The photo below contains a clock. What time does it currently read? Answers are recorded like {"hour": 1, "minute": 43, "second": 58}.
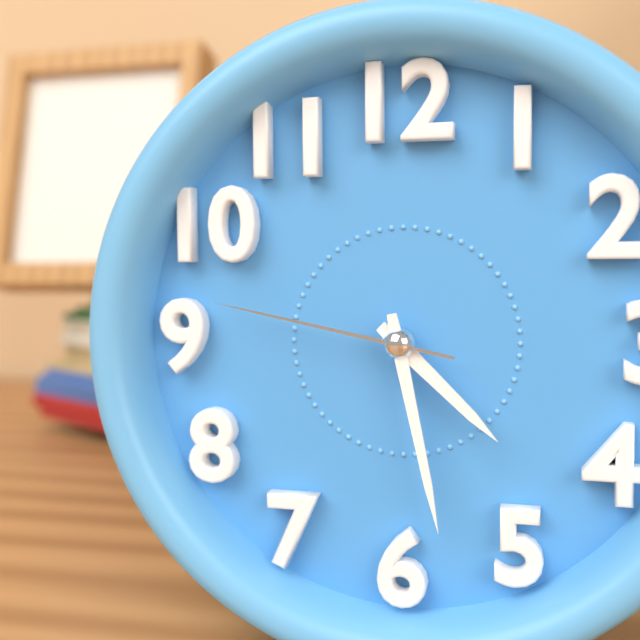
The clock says {"hour": 4, "minute": 28, "second": 47}
